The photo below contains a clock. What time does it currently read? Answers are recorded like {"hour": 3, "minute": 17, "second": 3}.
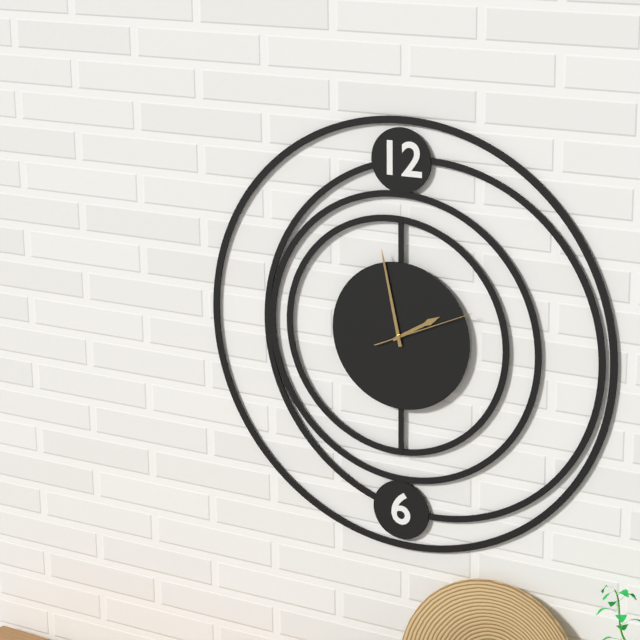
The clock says {"hour": 1, "minute": 58, "second": 11}
